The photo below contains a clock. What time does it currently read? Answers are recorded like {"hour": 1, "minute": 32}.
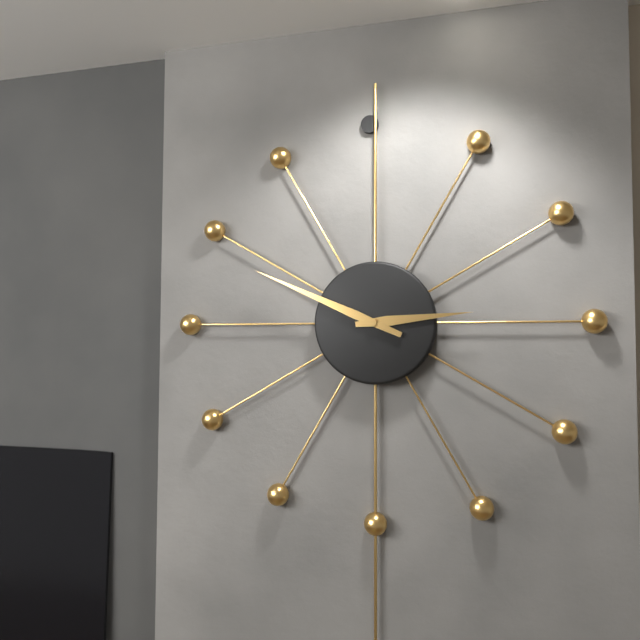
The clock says {"hour": 2, "minute": 49}
